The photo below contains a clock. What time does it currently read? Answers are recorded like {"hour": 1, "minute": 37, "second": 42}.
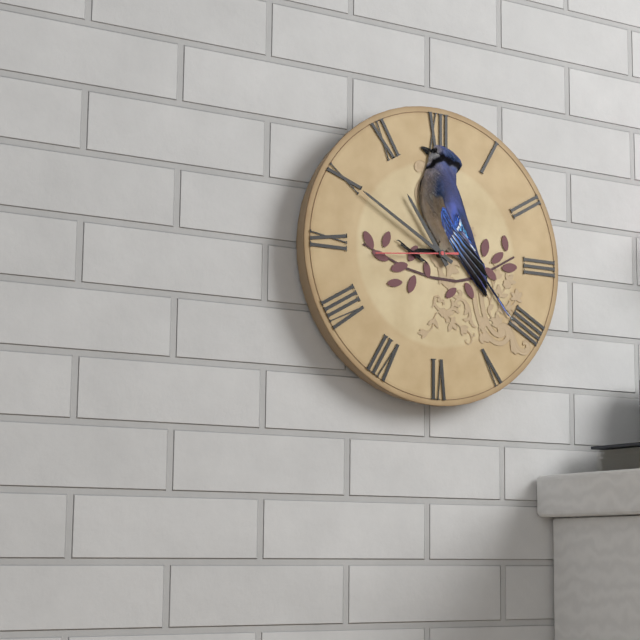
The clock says {"hour": 10, "minute": 50, "second": 44}
